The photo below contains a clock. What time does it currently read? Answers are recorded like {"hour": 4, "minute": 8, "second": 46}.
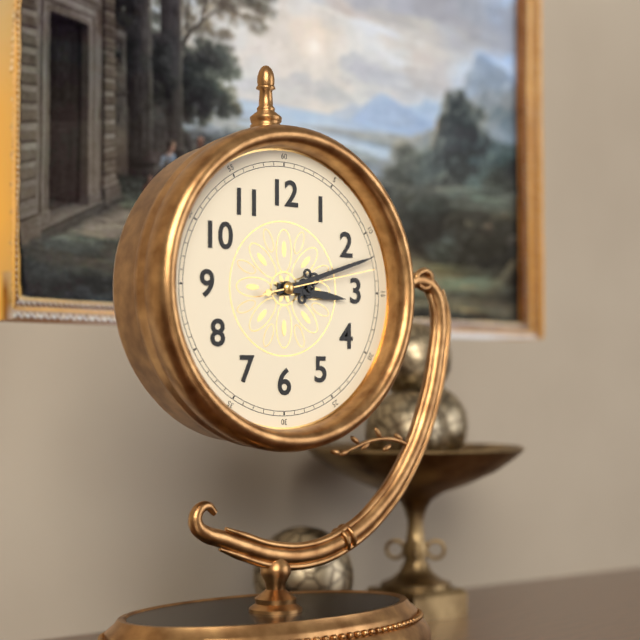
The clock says {"hour": 3, "minute": 12, "second": 13}
